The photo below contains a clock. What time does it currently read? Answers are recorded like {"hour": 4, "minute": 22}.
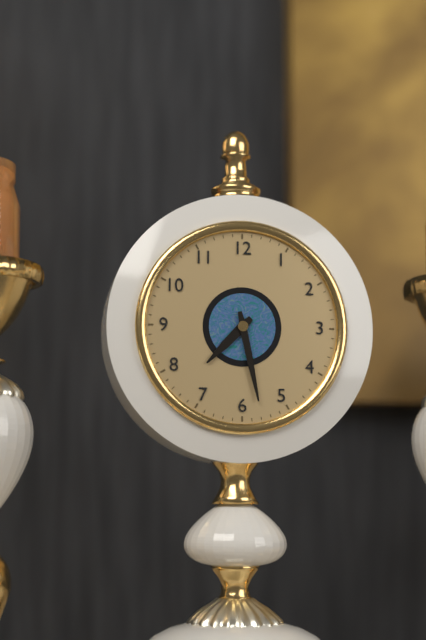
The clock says {"hour": 7, "minute": 28}
